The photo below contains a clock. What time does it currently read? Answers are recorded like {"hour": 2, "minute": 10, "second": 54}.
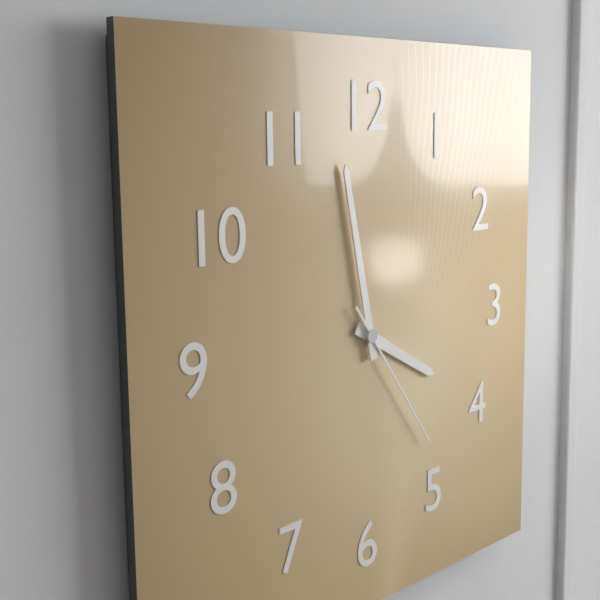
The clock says {"hour": 3, "minute": 58, "second": 24}
